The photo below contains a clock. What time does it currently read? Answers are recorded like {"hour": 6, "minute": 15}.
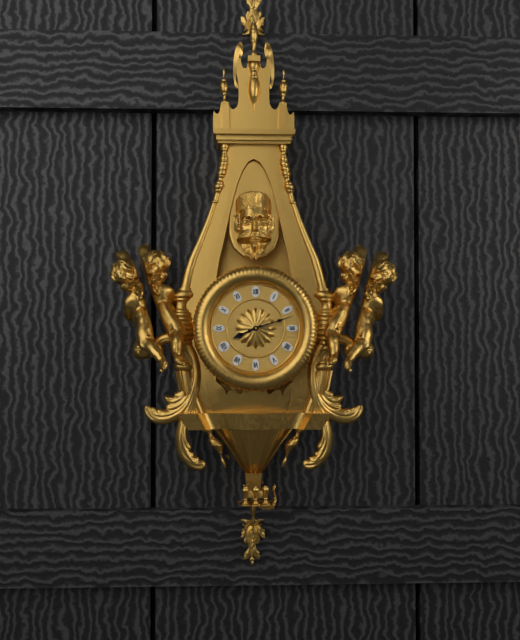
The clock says {"hour": 8, "minute": 12}
